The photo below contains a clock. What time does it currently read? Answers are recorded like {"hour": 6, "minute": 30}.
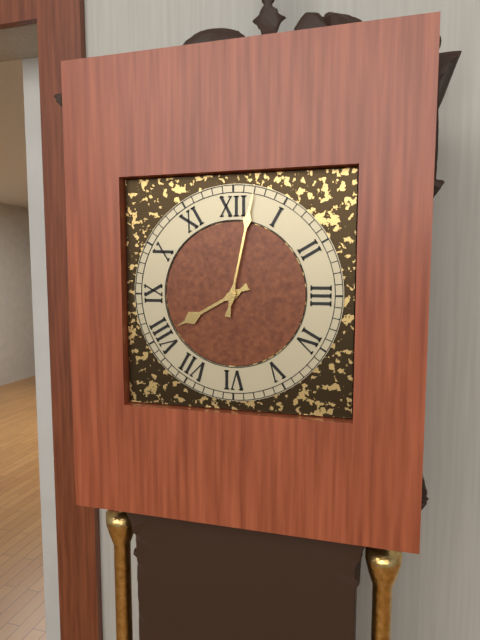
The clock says {"hour": 8, "minute": 2}
